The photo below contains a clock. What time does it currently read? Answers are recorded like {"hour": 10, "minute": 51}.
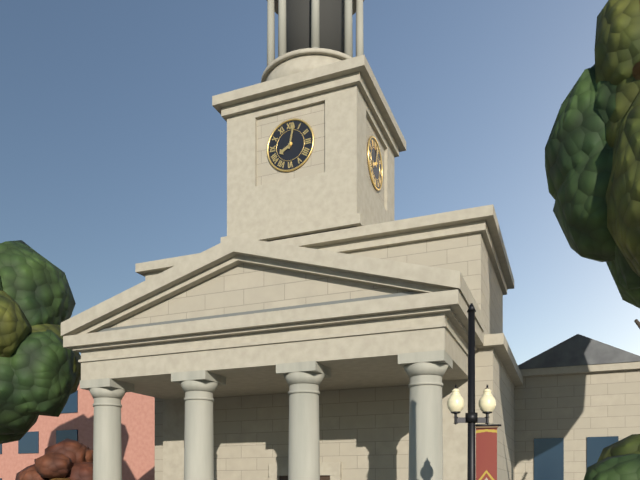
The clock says {"hour": 8, "minute": 2}
